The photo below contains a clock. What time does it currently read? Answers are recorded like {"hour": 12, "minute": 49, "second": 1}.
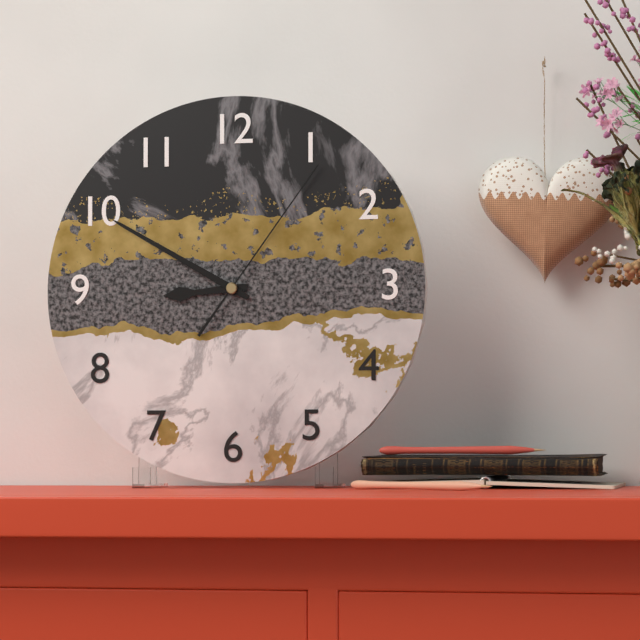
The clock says {"hour": 8, "minute": 50, "second": 6}
